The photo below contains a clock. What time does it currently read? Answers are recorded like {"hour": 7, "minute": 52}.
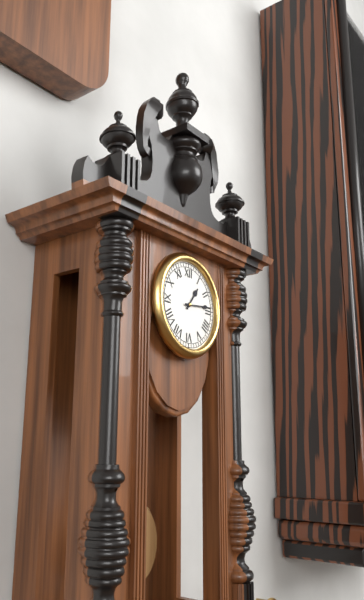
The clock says {"hour": 1, "minute": 14}
